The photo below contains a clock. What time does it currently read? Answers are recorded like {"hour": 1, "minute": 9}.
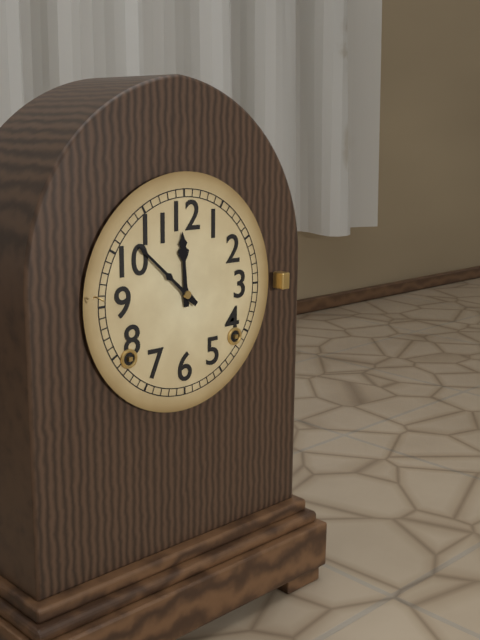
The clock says {"hour": 11, "minute": 52}
